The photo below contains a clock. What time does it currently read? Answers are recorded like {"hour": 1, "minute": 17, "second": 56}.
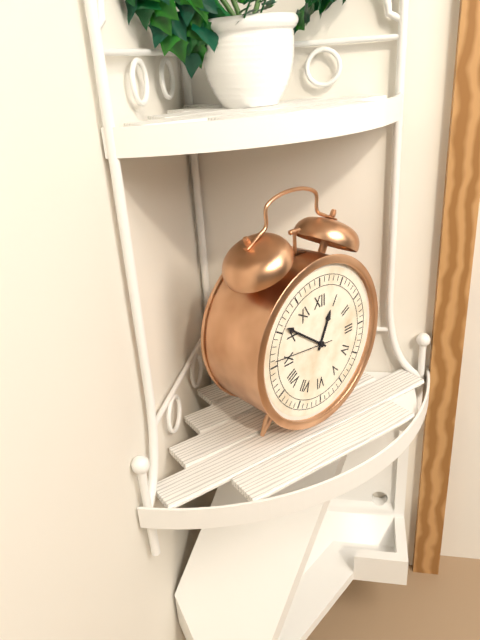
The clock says {"hour": 12, "minute": 51, "second": 46}
